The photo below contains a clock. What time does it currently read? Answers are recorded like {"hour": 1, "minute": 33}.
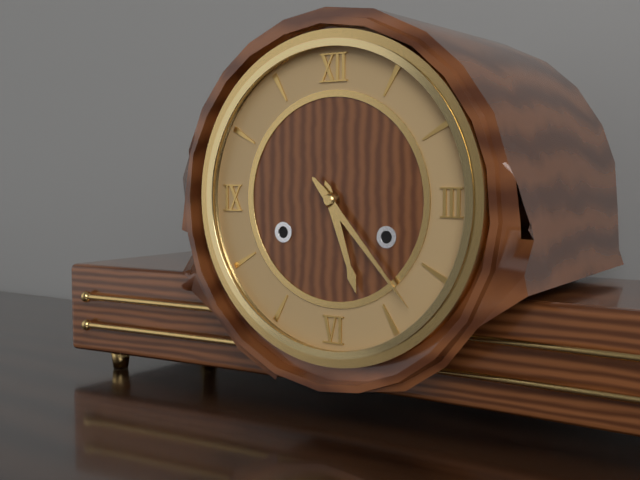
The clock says {"hour": 5, "minute": 23}
